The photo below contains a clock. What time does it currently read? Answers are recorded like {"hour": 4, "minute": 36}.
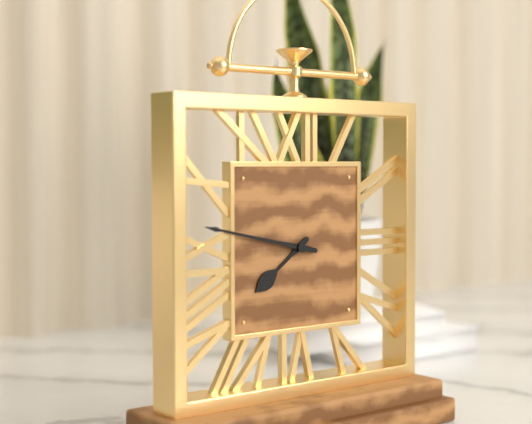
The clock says {"hour": 7, "minute": 47}
